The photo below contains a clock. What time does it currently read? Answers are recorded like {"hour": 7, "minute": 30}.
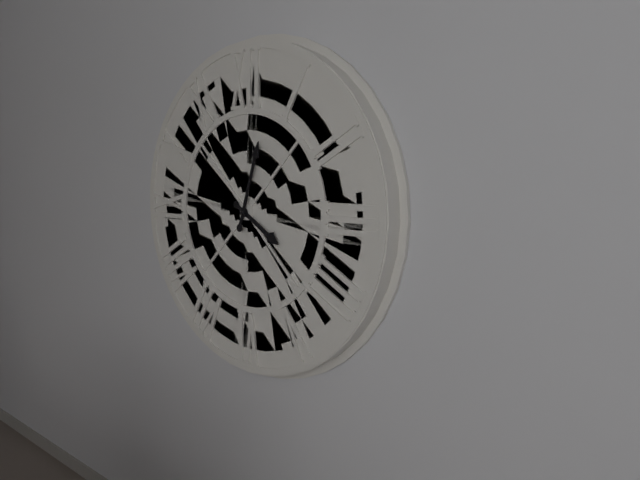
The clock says {"hour": 4, "minute": 3}
